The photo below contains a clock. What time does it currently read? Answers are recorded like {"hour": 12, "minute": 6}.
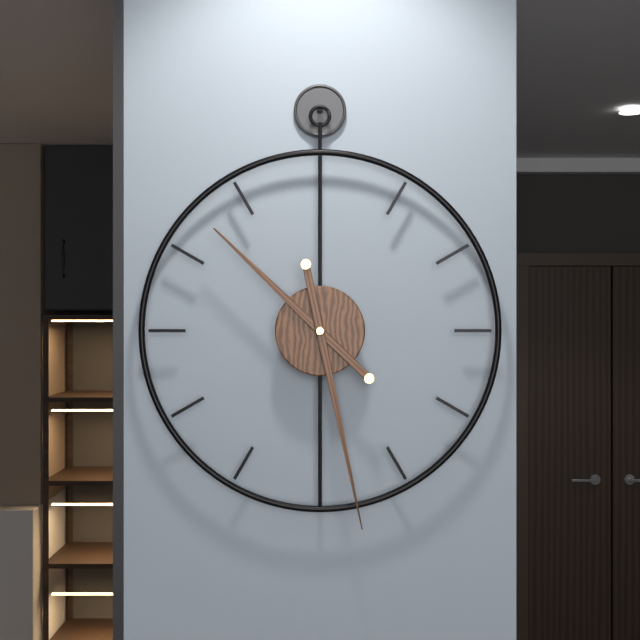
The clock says {"hour": 10, "minute": 28}
